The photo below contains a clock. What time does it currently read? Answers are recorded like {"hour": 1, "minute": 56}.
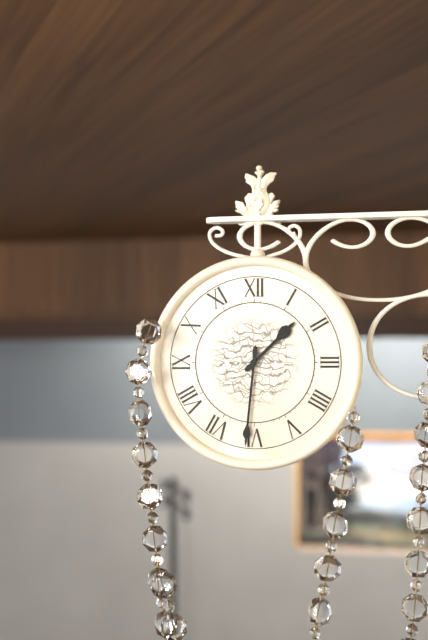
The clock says {"hour": 1, "minute": 31}
